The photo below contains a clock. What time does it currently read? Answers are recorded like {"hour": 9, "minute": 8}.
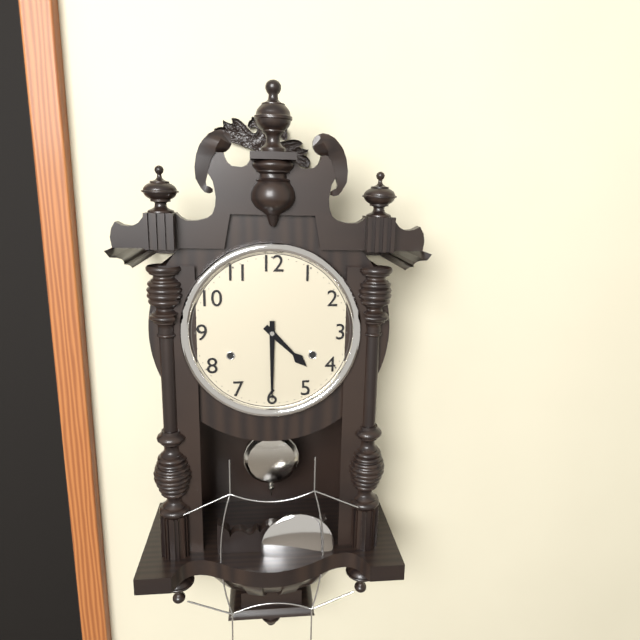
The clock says {"hour": 4, "minute": 30}
